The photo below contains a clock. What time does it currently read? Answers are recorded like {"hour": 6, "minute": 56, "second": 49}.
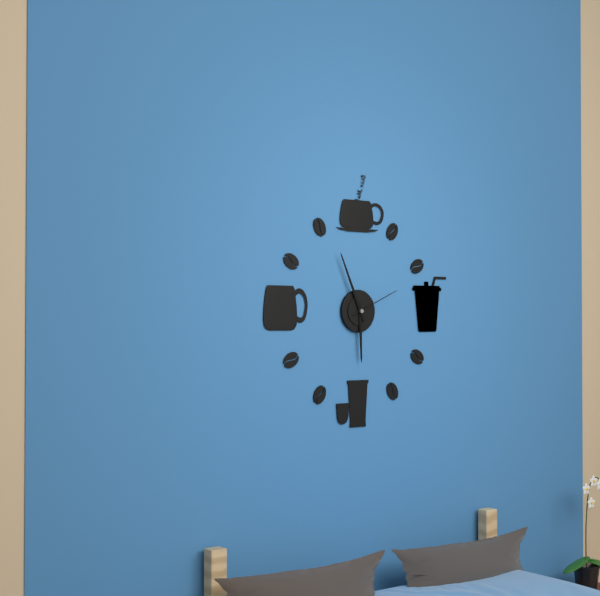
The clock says {"hour": 5, "minute": 56, "second": 11}
